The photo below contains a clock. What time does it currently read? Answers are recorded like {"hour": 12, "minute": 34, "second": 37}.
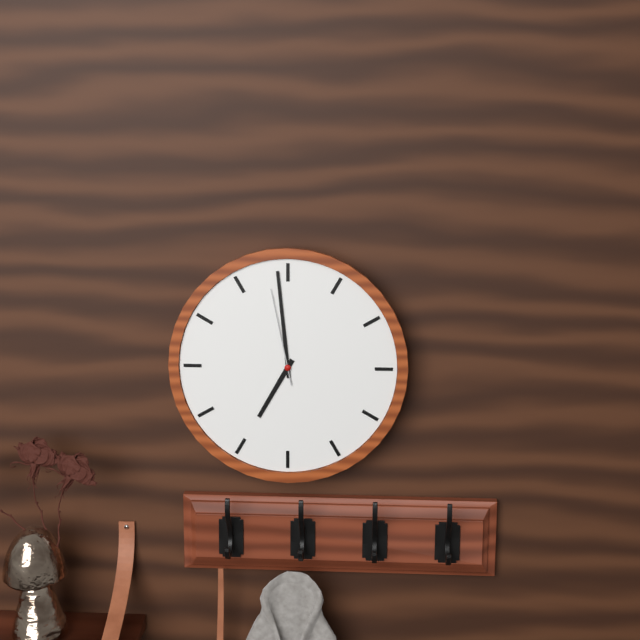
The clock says {"hour": 6, "minute": 59, "second": 58}
